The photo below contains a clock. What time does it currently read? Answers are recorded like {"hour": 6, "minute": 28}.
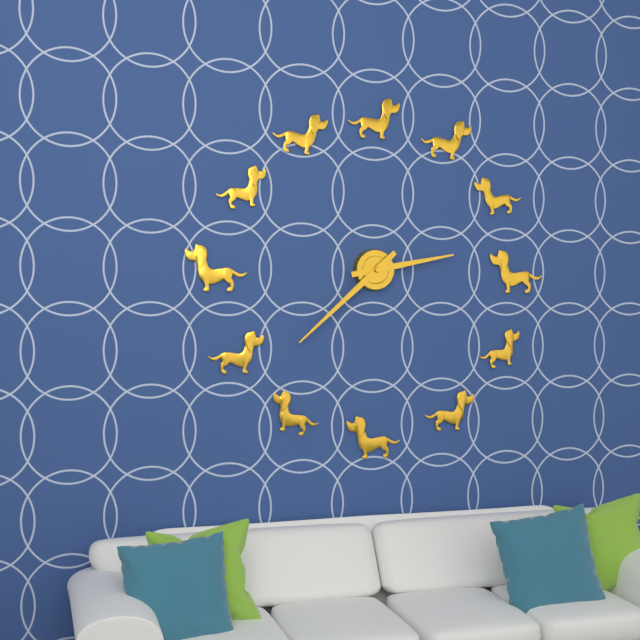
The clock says {"hour": 2, "minute": 38}
